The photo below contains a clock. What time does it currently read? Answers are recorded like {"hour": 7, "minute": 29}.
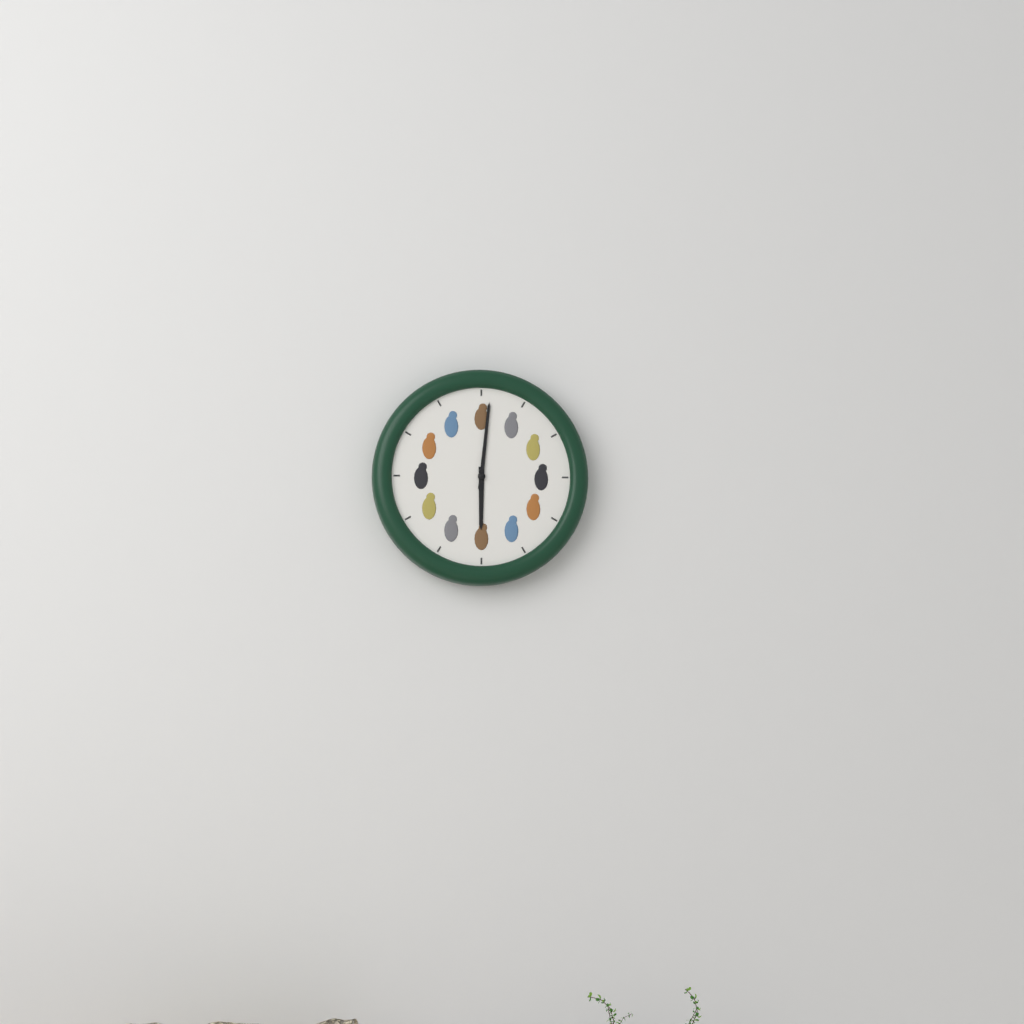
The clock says {"hour": 6, "minute": 1}
